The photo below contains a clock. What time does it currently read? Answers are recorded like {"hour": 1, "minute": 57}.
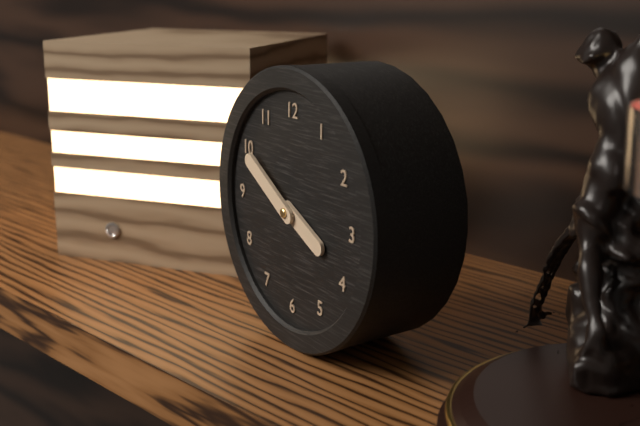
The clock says {"hour": 3, "minute": 50}
